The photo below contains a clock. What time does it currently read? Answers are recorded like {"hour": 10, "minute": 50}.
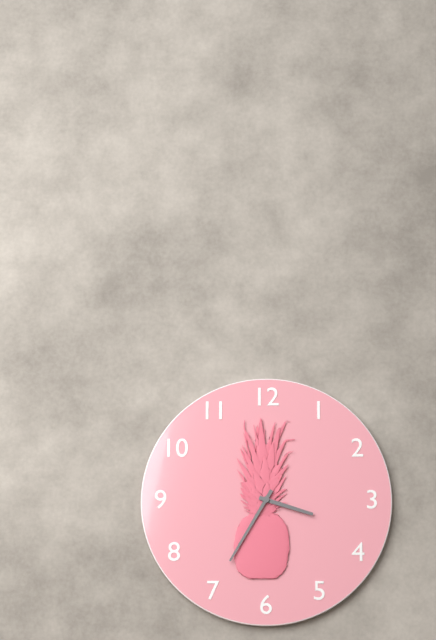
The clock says {"hour": 3, "minute": 35}
